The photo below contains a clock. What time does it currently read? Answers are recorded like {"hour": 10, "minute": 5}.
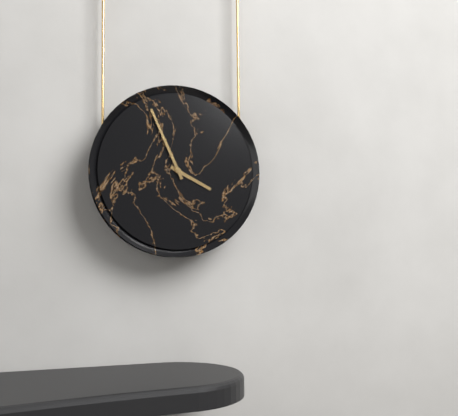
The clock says {"hour": 3, "minute": 56}
